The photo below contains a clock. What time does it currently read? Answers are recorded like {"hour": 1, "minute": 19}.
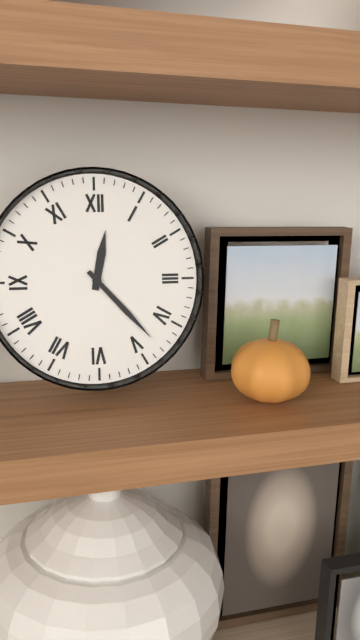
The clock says {"hour": 12, "minute": 23}
